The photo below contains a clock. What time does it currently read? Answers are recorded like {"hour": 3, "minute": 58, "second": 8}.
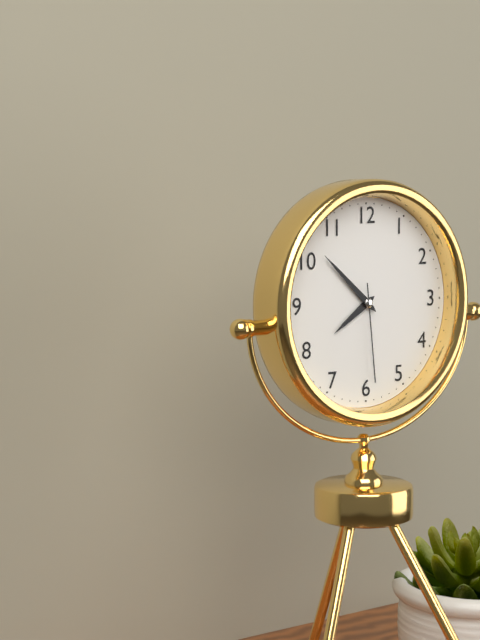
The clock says {"hour": 7, "minute": 52, "second": 29}
